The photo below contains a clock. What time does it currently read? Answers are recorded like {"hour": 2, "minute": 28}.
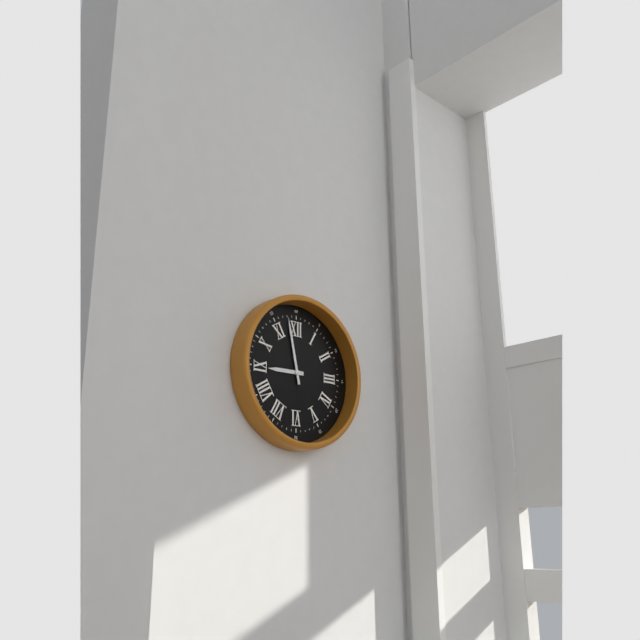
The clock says {"hour": 8, "minute": 58}
